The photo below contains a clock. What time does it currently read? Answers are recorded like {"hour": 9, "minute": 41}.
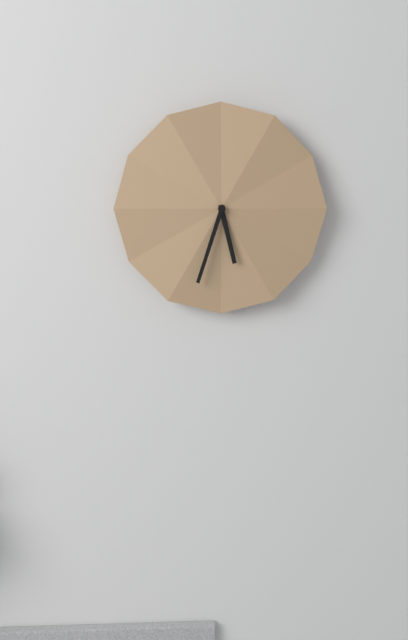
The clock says {"hour": 5, "minute": 33}
